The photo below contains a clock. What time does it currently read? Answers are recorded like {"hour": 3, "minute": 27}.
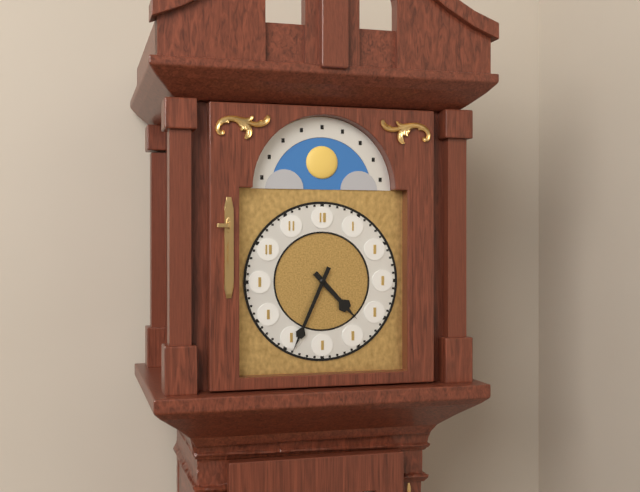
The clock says {"hour": 4, "minute": 34}
